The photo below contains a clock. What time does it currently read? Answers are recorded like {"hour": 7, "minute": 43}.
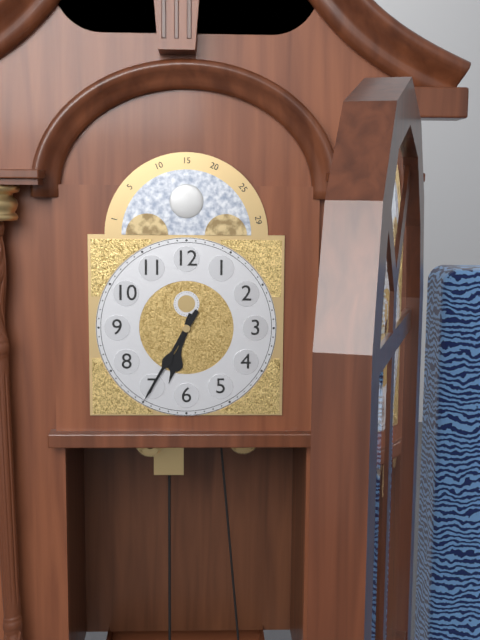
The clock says {"hour": 6, "minute": 35}
